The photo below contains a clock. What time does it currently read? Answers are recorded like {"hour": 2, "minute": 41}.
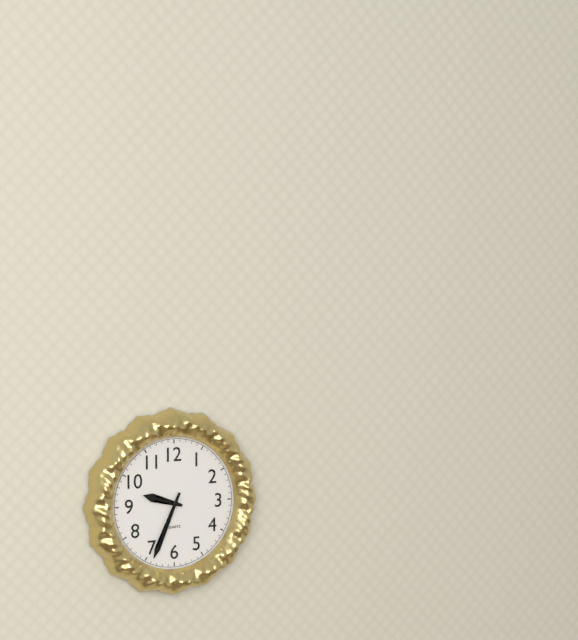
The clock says {"hour": 9, "minute": 34}
